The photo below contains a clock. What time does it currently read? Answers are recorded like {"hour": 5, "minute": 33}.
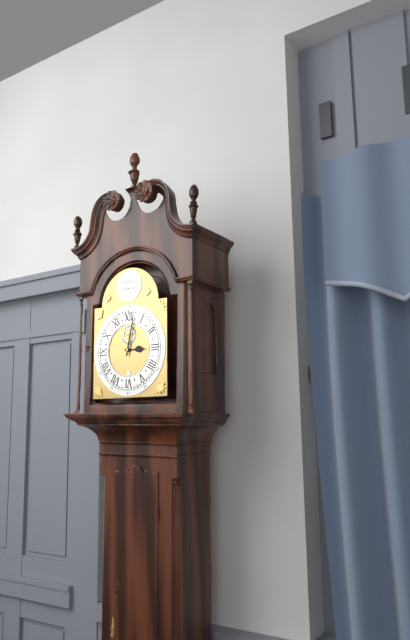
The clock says {"hour": 3, "minute": 2}
